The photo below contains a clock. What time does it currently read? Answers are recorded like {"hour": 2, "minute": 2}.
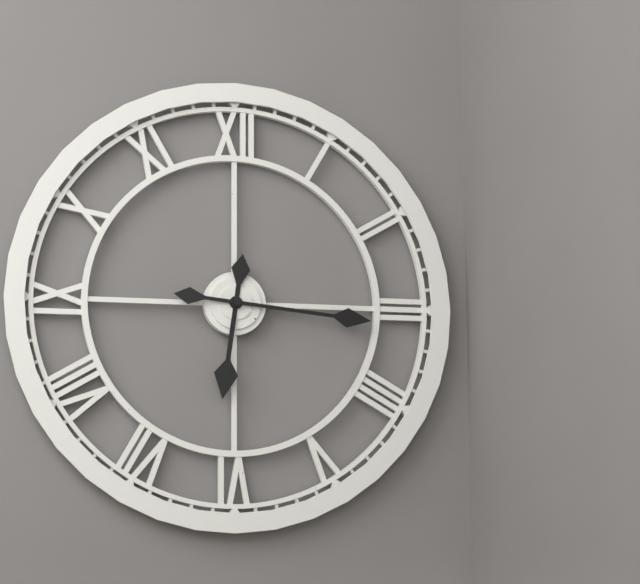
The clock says {"hour": 6, "minute": 16}
